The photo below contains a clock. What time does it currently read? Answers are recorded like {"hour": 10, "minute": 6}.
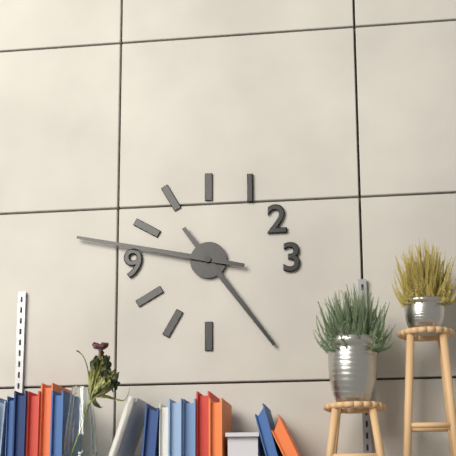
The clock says {"hour": 4, "minute": 47}
